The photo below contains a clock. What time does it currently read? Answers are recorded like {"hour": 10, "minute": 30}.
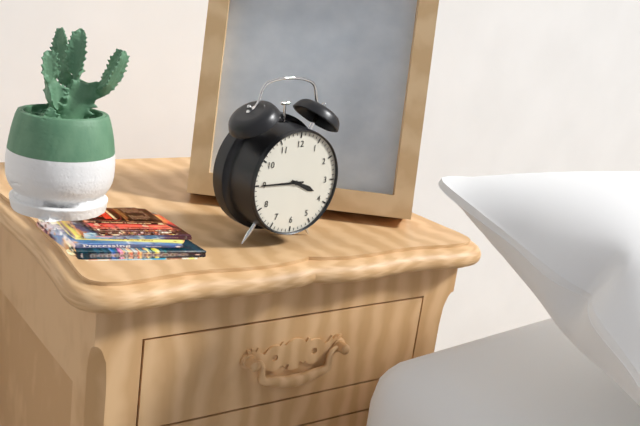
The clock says {"hour": 3, "minute": 45}
